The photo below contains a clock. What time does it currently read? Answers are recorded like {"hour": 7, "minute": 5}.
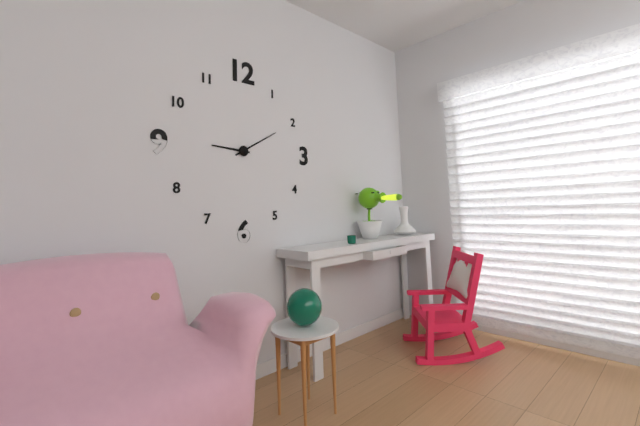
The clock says {"hour": 9, "minute": 10}
